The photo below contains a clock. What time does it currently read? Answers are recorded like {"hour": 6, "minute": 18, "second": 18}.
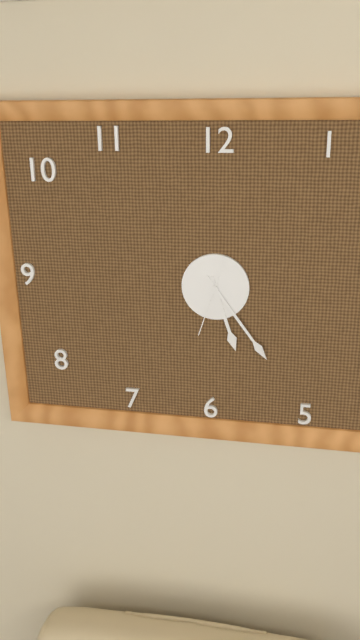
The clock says {"hour": 5, "minute": 24, "second": 33}
